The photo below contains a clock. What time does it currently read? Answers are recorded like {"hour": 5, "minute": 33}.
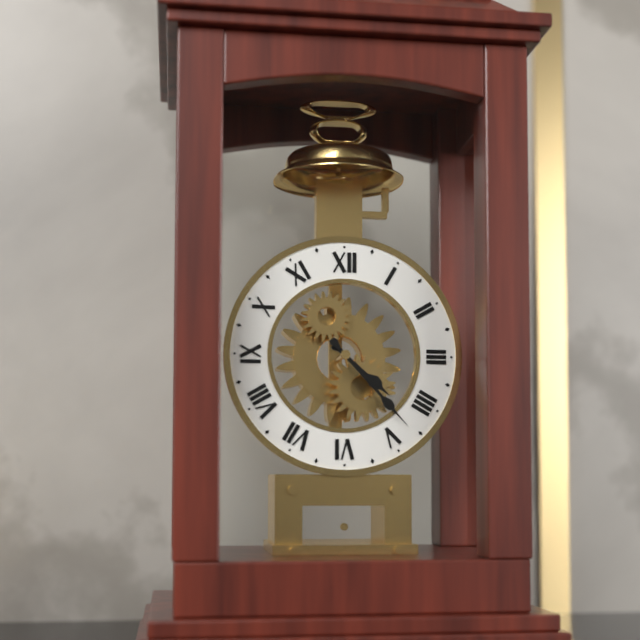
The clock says {"hour": 4, "minute": 23}
